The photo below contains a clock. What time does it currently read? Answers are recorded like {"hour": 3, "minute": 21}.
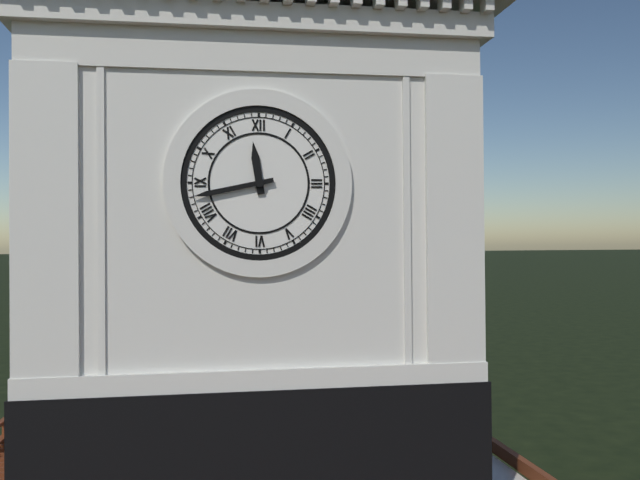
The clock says {"hour": 11, "minute": 43}
